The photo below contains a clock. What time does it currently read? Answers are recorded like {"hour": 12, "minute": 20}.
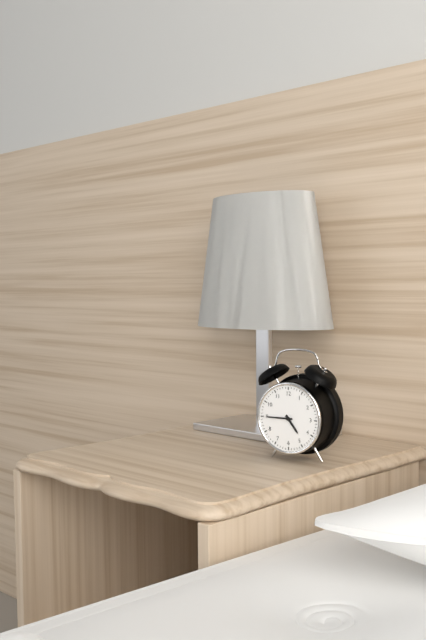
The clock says {"hour": 4, "minute": 45}
